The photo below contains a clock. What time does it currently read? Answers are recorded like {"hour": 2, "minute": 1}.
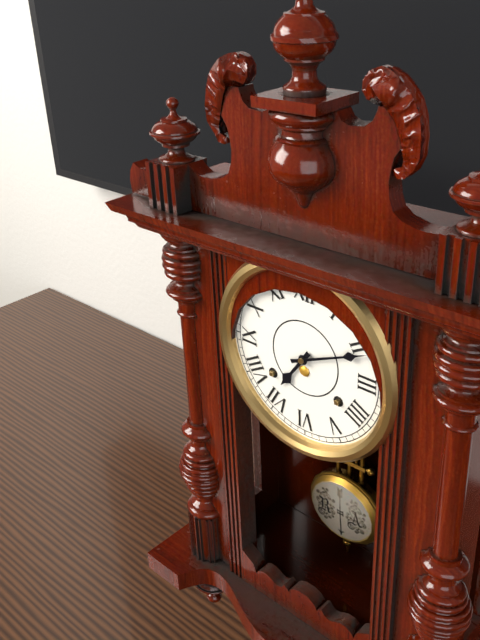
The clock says {"hour": 7, "minute": 11}
